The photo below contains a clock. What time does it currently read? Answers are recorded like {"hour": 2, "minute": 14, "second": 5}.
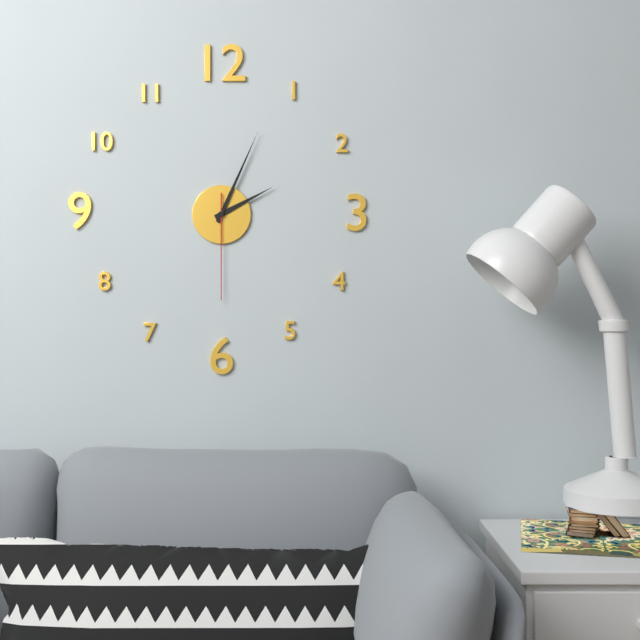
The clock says {"hour": 2, "minute": 4, "second": 30}
